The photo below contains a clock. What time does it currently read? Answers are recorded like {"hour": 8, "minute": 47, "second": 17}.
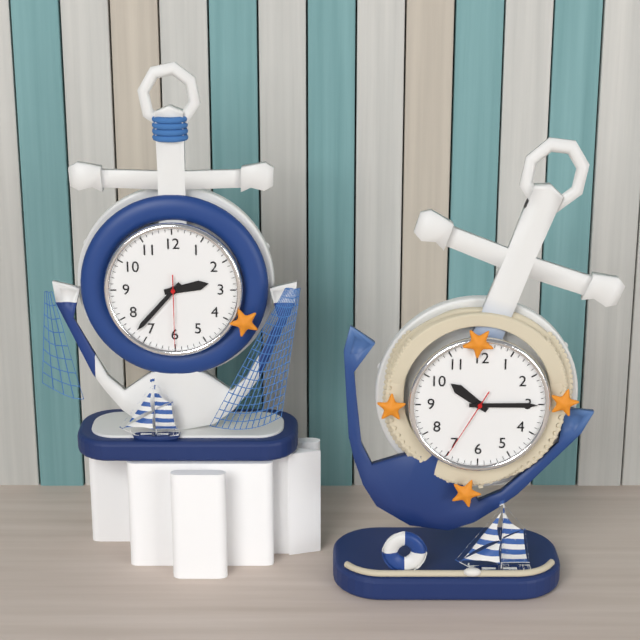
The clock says {"hour": 2, "minute": 37, "second": 30}
